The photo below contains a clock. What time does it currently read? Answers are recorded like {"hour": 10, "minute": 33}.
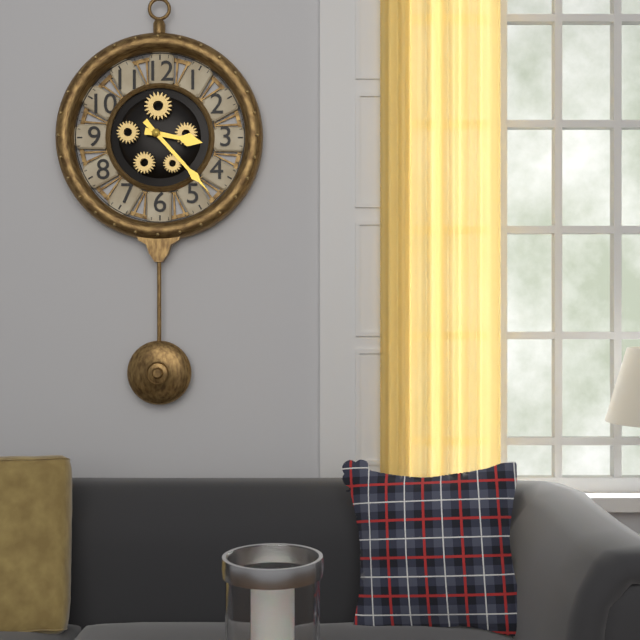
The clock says {"hour": 3, "minute": 23}
